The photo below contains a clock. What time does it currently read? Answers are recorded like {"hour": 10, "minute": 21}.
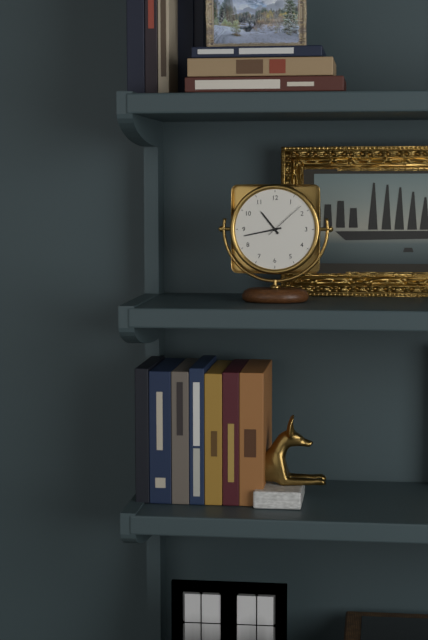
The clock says {"hour": 10, "minute": 43}
